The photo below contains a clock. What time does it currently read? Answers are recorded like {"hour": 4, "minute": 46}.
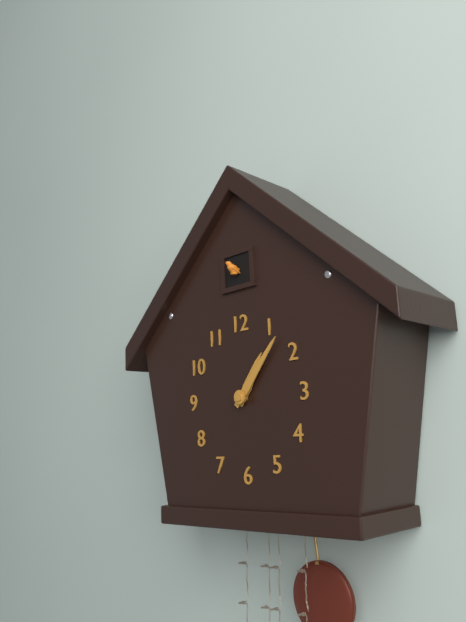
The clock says {"hour": 1, "minute": 7}
